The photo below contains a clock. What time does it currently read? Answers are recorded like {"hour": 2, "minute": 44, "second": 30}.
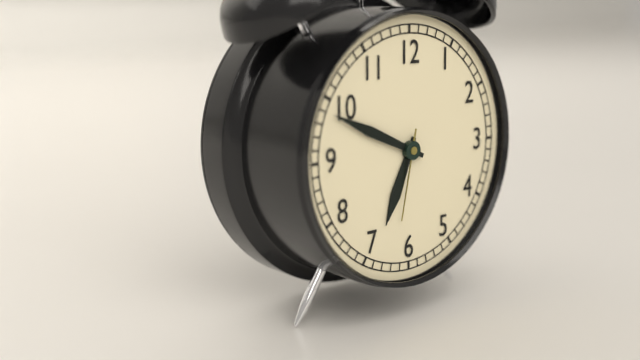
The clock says {"hour": 6, "minute": 49, "second": 32}
